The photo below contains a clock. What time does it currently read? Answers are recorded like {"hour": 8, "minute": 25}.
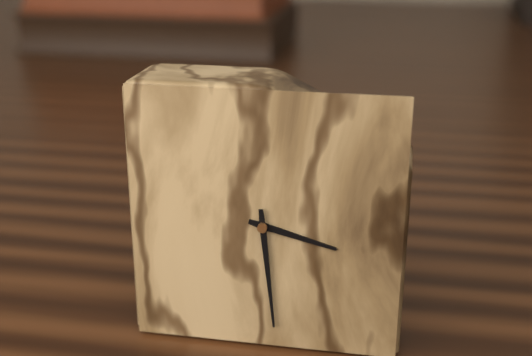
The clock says {"hour": 3, "minute": 29}
